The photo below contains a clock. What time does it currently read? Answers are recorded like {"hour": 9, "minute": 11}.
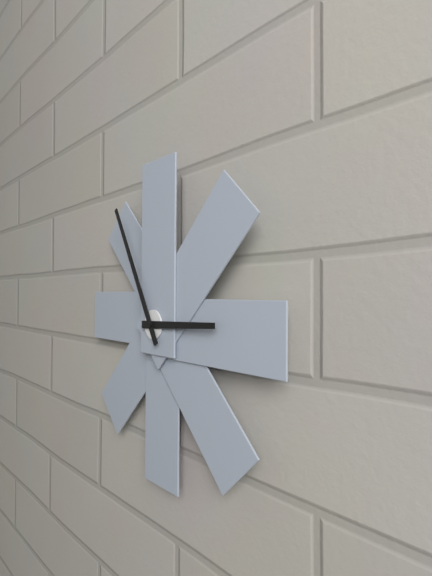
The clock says {"hour": 2, "minute": 55}
